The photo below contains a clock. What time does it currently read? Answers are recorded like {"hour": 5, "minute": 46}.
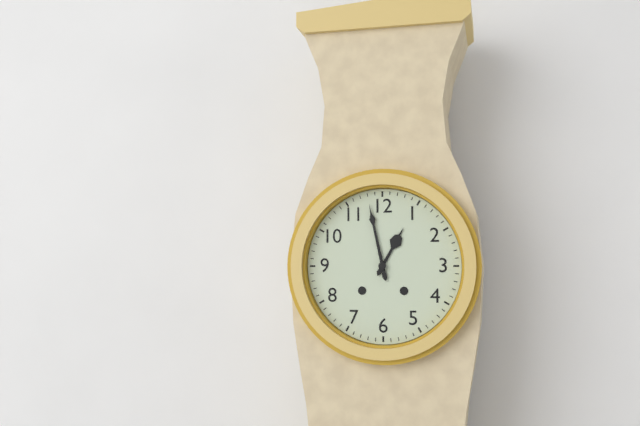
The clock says {"hour": 12, "minute": 58}
